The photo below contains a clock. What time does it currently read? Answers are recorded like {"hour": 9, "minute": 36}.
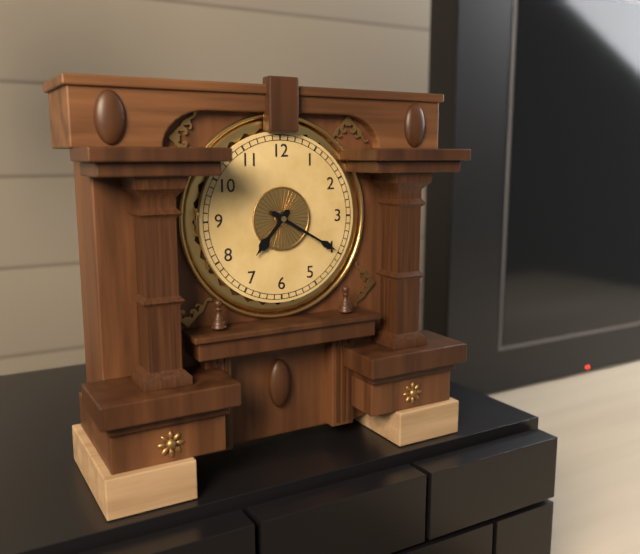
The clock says {"hour": 7, "minute": 20}
